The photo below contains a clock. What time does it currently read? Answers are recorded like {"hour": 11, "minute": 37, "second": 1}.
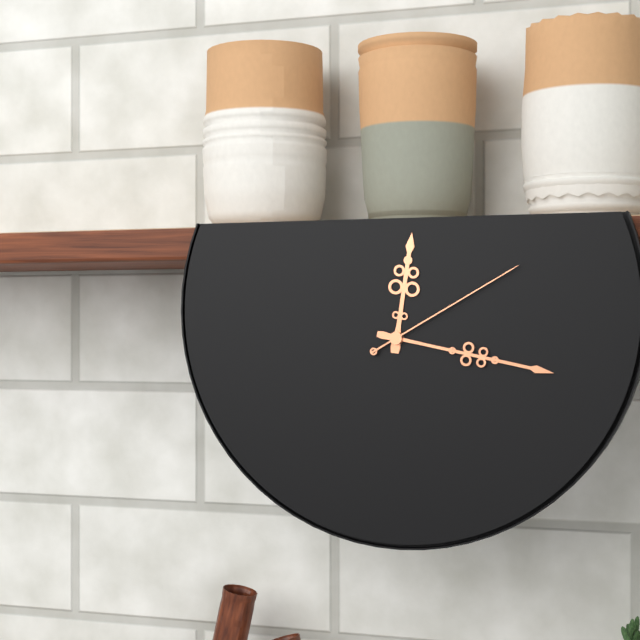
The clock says {"hour": 12, "minute": 17, "second": 10}
